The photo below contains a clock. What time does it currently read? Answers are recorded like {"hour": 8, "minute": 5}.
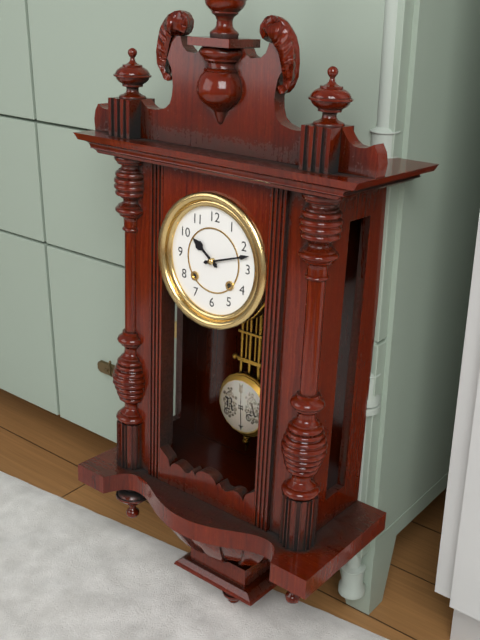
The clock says {"hour": 10, "minute": 12}
